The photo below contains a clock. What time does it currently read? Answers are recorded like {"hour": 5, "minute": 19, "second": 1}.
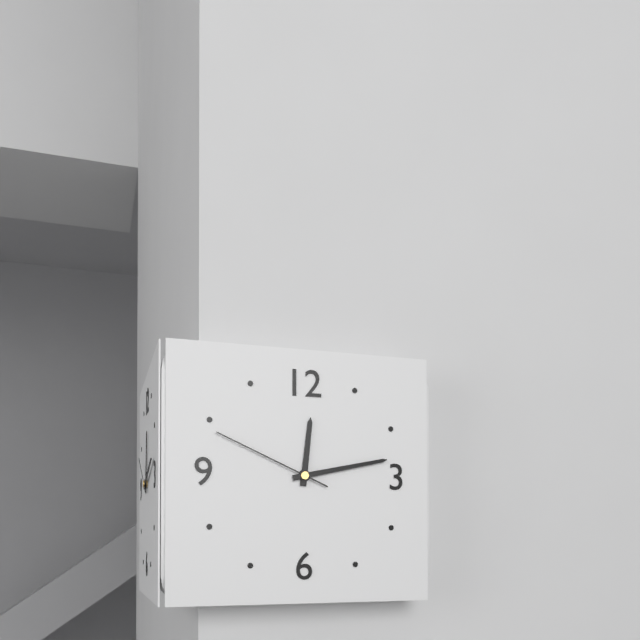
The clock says {"hour": 12, "minute": 13, "second": 49}
